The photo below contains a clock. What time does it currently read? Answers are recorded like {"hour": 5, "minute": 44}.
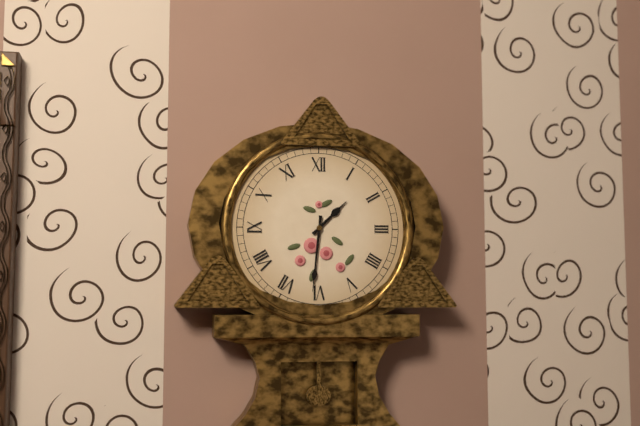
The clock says {"hour": 1, "minute": 31}
